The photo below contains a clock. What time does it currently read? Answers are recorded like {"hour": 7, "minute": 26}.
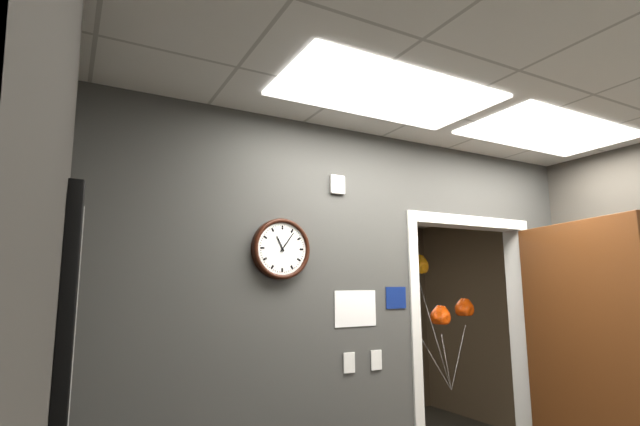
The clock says {"hour": 11, "minute": 6}
